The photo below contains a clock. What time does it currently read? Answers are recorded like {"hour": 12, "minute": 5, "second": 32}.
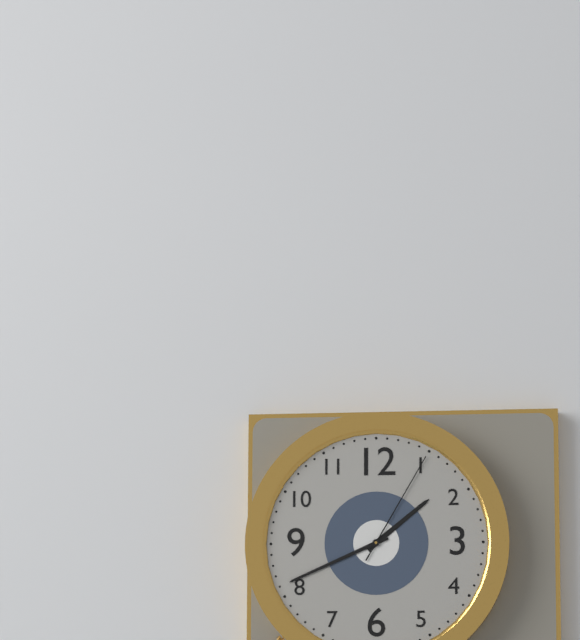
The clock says {"hour": 1, "minute": 41, "second": 5}
